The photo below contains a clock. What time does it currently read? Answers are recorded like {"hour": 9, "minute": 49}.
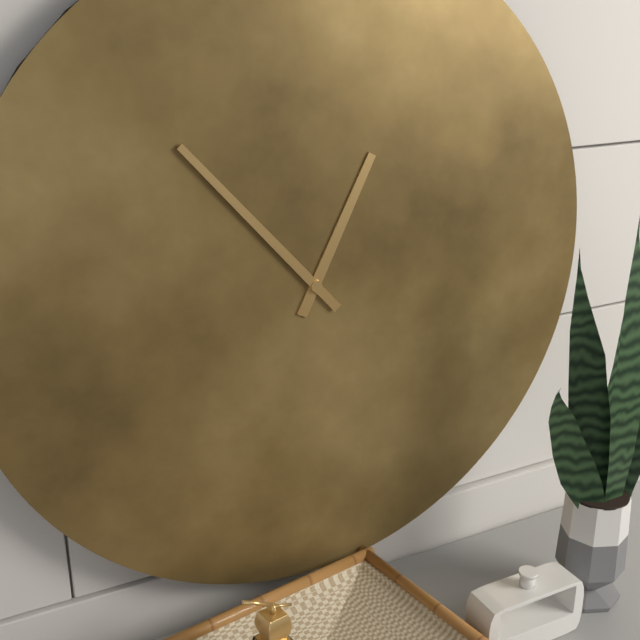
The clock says {"hour": 12, "minute": 53}
